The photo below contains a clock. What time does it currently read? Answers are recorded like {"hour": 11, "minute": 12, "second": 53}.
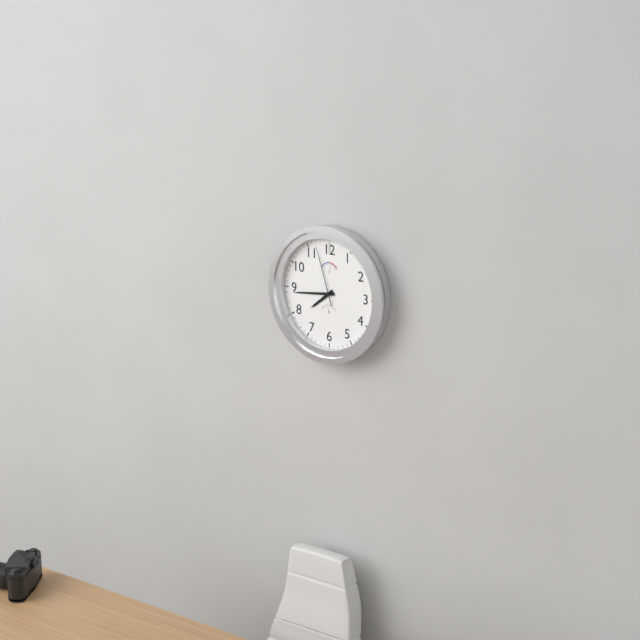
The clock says {"hour": 7, "minute": 44, "second": 57}
